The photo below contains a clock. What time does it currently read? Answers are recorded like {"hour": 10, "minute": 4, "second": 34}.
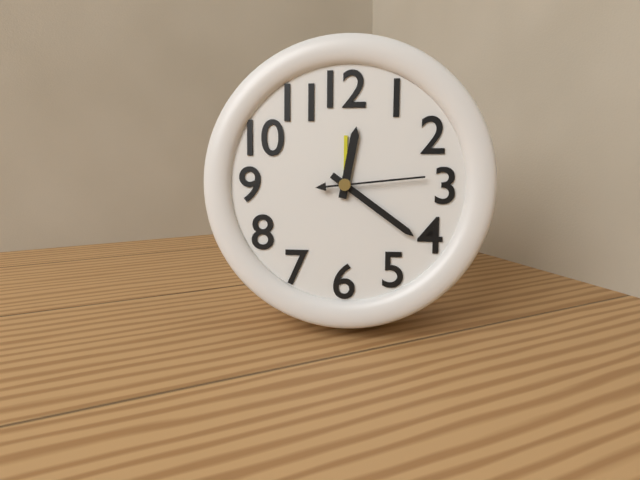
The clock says {"hour": 12, "minute": 21, "second": 14}
